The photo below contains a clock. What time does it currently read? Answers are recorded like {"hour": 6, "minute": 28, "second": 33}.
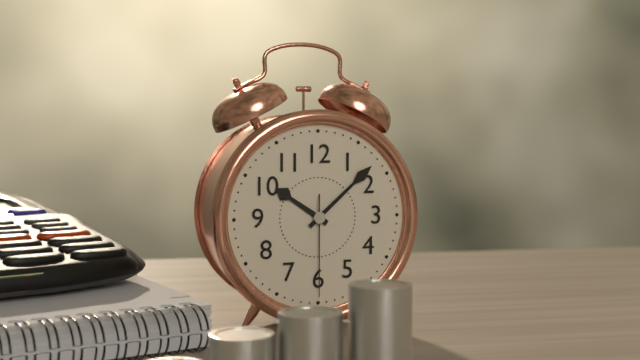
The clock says {"hour": 10, "minute": 8, "second": 30}
